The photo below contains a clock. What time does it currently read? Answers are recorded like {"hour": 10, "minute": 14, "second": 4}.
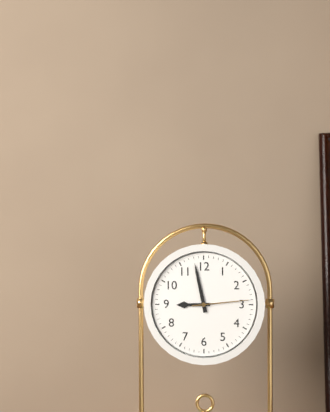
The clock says {"hour": 8, "minute": 58, "second": 14}
